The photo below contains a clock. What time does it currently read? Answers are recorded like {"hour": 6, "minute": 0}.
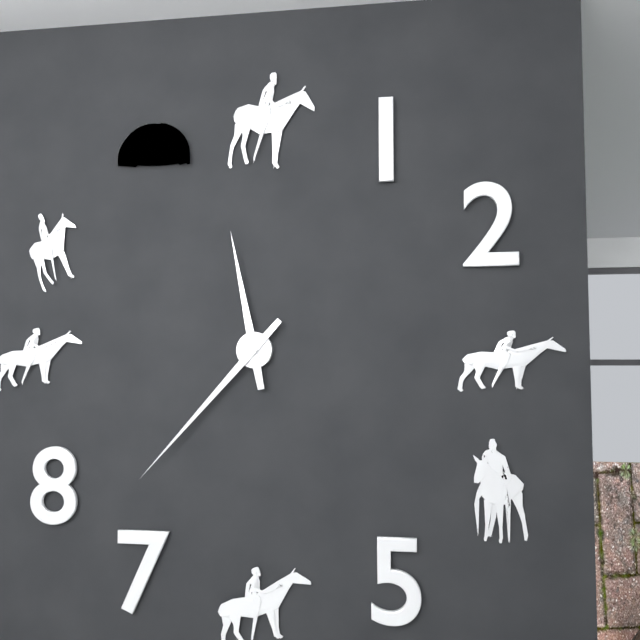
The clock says {"hour": 11, "minute": 37}
